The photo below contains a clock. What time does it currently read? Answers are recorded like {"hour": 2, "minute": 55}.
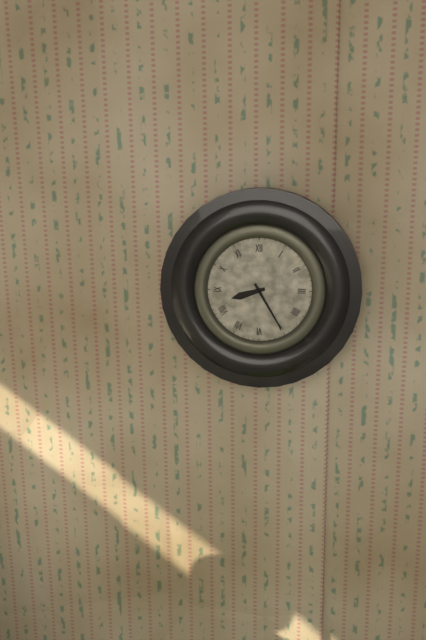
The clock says {"hour": 8, "minute": 25}
